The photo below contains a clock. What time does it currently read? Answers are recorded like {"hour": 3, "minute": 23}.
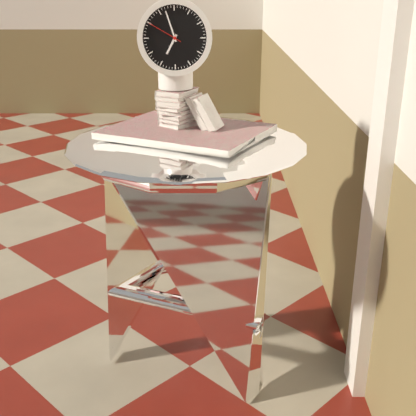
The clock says {"hour": 6, "minute": 57}
